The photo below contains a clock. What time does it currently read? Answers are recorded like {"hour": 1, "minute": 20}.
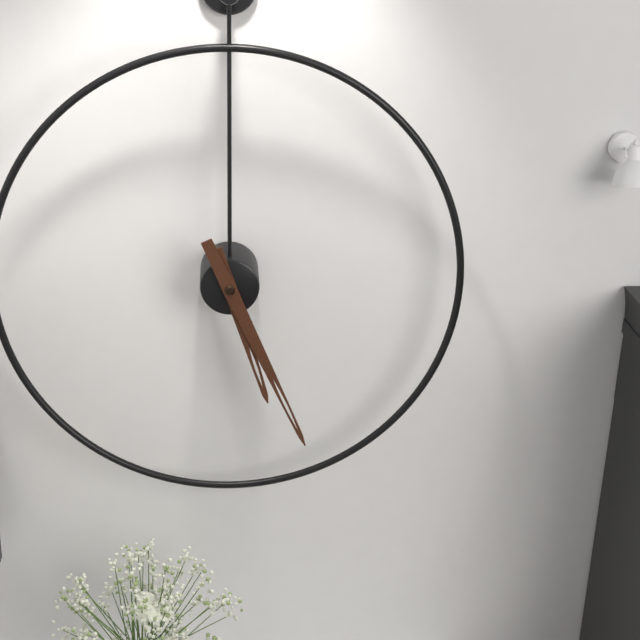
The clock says {"hour": 5, "minute": 26}
